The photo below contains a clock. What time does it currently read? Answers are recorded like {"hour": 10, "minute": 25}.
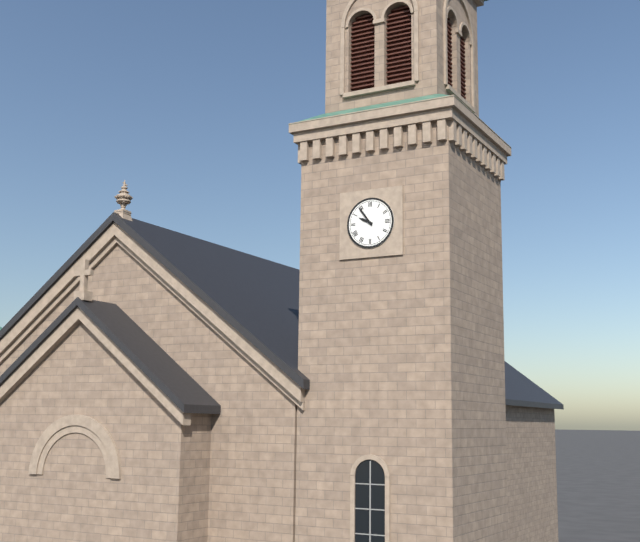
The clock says {"hour": 9, "minute": 54}
